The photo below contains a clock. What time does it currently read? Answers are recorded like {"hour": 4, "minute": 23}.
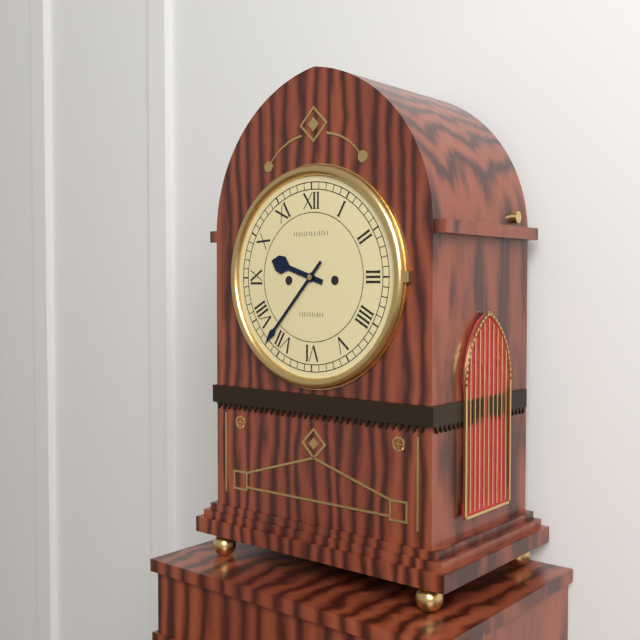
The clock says {"hour": 9, "minute": 37}
